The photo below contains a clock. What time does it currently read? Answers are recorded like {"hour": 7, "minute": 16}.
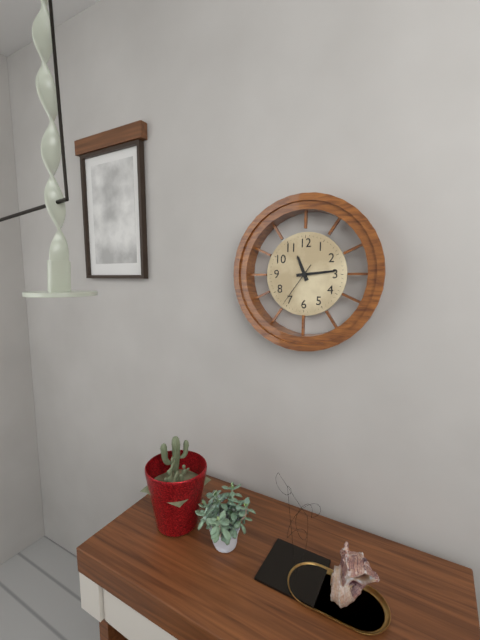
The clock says {"hour": 11, "minute": 14}
